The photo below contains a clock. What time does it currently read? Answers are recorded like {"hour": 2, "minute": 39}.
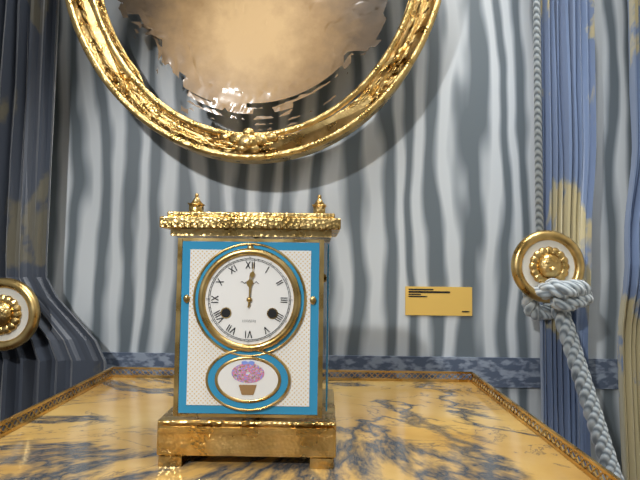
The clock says {"hour": 12, "minute": 1}
